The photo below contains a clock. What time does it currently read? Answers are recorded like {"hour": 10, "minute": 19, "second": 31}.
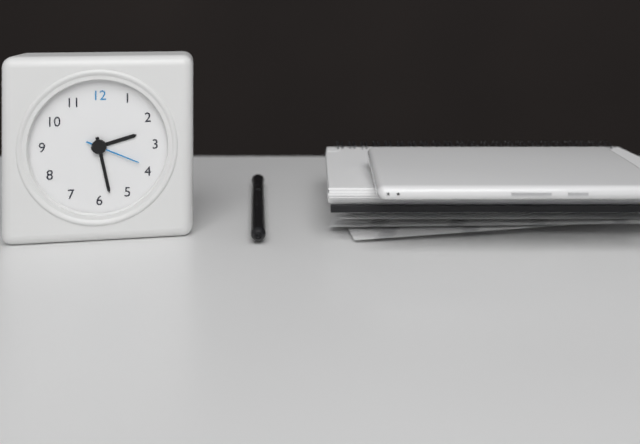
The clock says {"hour": 2, "minute": 28, "second": 19}
